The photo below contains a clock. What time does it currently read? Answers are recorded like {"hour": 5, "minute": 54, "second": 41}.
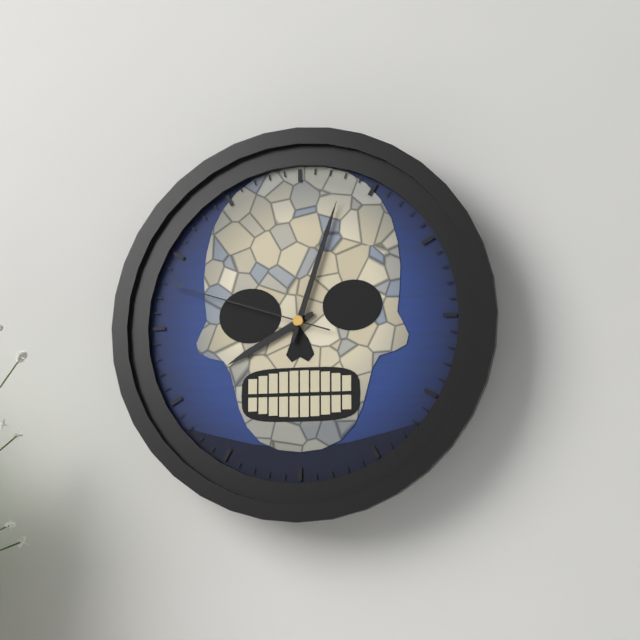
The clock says {"hour": 8, "minute": 3, "second": 48}
